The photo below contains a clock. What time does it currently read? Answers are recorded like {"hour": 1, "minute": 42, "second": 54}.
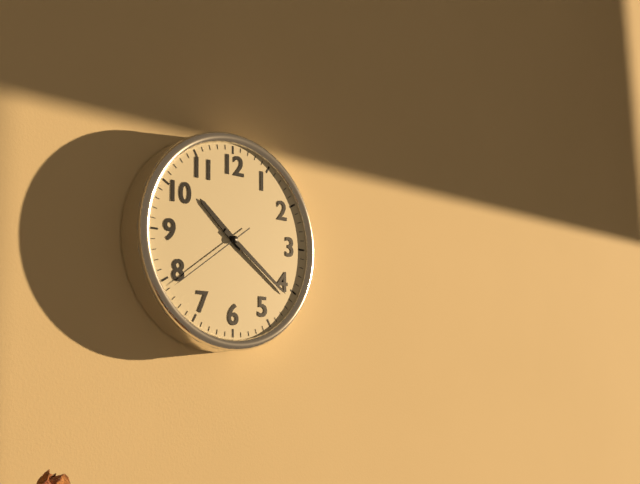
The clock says {"hour": 10, "minute": 21, "second": 39}
